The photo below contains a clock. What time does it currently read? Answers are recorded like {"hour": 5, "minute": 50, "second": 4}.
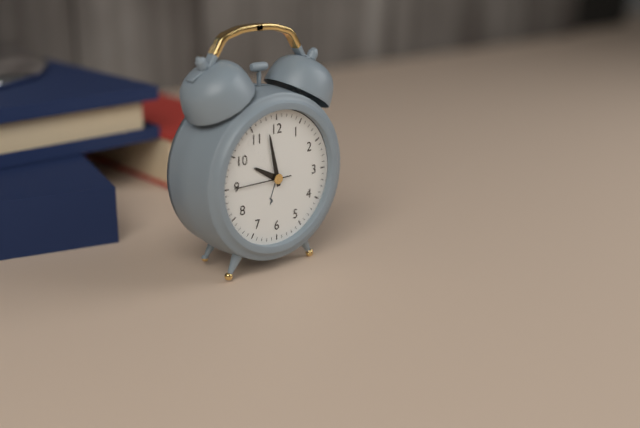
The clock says {"hour": 9, "minute": 58, "second": 45}
